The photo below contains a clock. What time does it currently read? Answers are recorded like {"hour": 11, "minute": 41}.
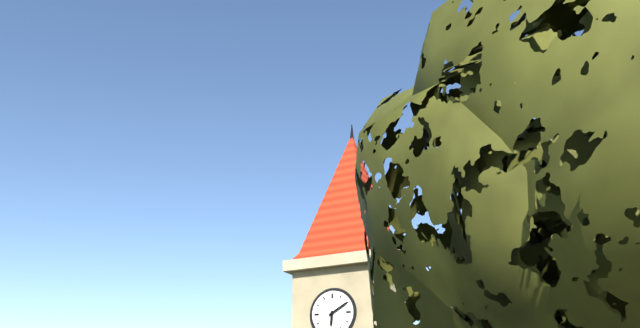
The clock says {"hour": 6, "minute": 10}
